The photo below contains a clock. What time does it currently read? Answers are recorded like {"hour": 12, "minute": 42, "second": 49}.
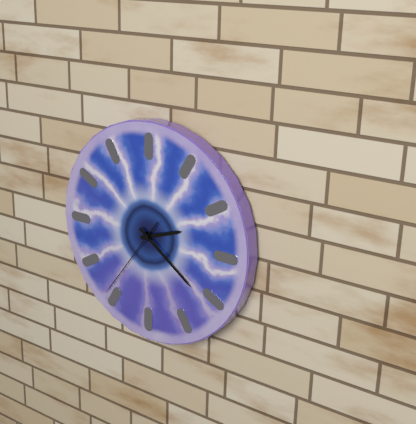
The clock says {"hour": 2, "minute": 21, "second": 36}
